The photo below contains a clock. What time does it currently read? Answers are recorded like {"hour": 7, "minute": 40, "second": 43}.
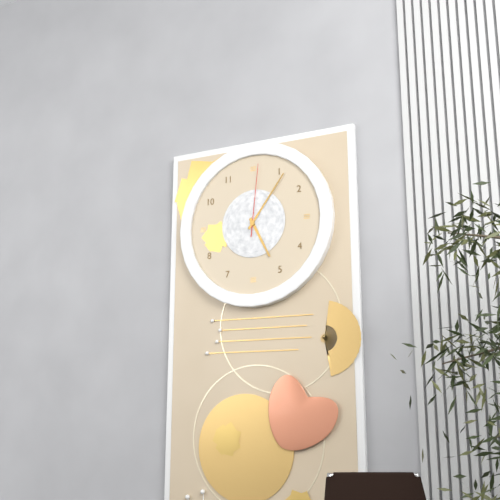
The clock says {"hour": 5, "minute": 6, "second": 1}
